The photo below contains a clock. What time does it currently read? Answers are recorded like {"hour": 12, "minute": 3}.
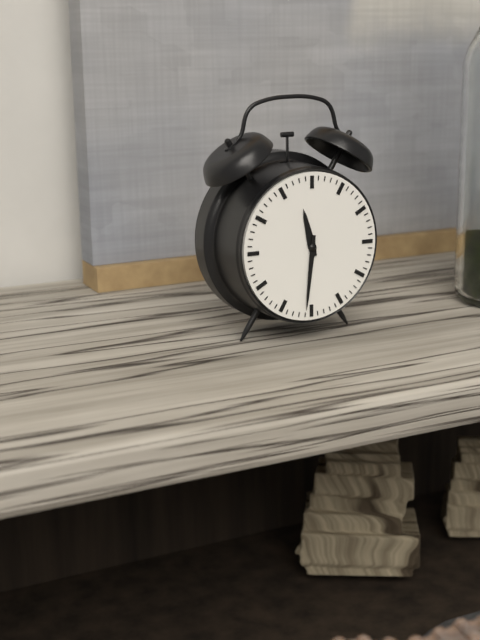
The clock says {"hour": 11, "minute": 31}
